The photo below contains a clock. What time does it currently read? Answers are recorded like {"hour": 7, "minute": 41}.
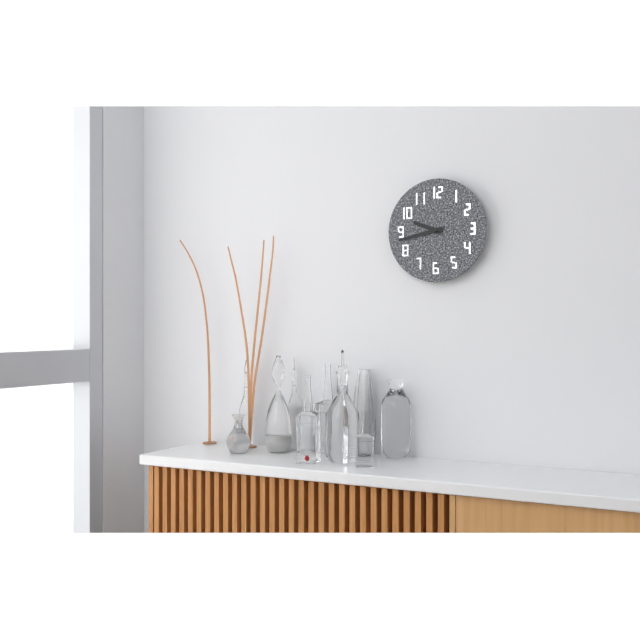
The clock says {"hour": 9, "minute": 43}
